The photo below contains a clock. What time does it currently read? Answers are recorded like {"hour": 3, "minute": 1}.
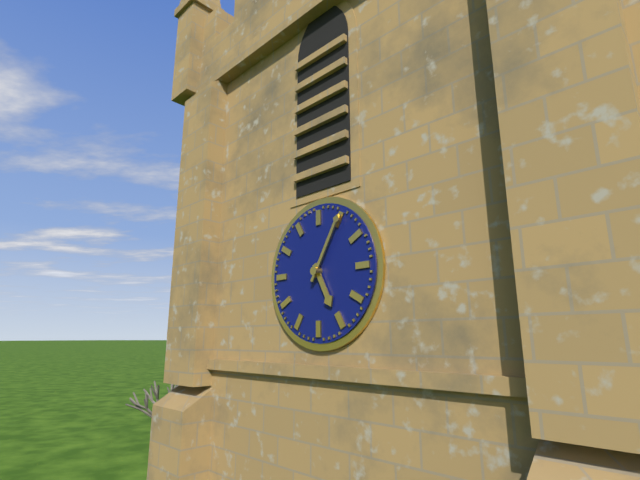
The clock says {"hour": 5, "minute": 5}
